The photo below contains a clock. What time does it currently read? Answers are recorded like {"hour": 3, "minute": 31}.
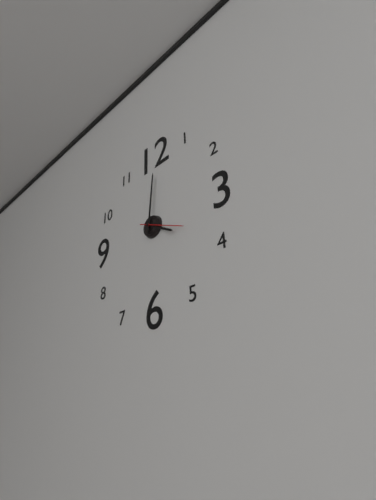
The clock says {"hour": 4, "minute": 1}
